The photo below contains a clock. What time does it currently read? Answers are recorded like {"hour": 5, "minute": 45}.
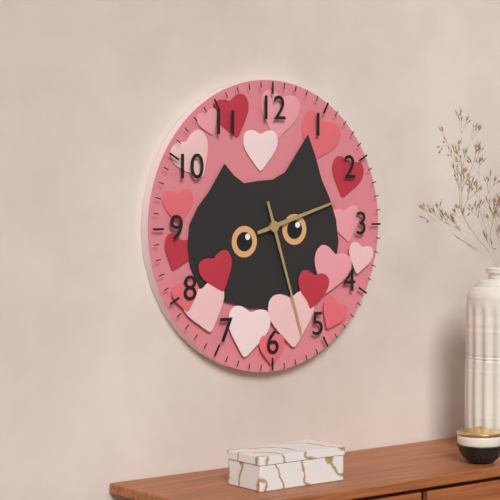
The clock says {"hour": 2, "minute": 27}
